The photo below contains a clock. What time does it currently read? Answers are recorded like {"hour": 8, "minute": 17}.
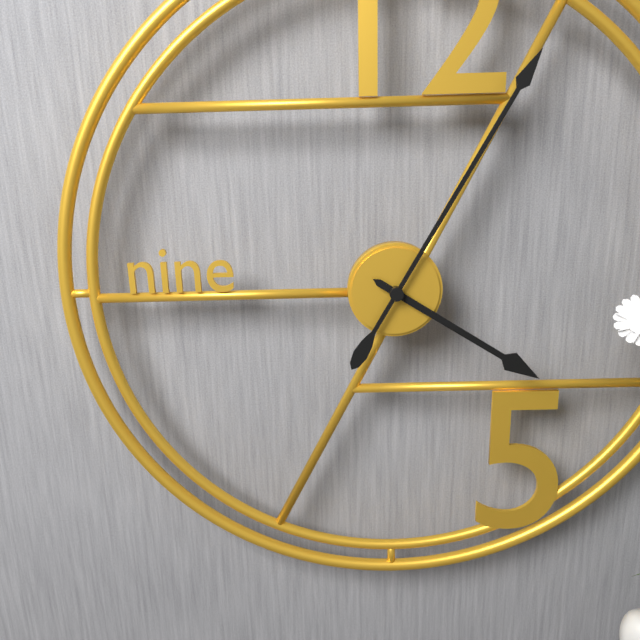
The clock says {"hour": 4, "minute": 5}
